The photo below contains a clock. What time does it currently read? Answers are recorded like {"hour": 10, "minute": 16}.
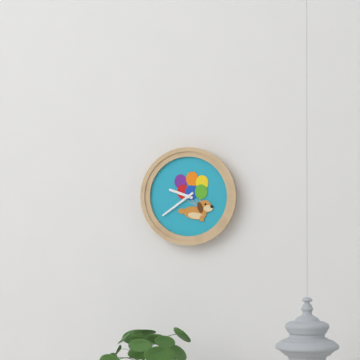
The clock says {"hour": 9, "minute": 39}
